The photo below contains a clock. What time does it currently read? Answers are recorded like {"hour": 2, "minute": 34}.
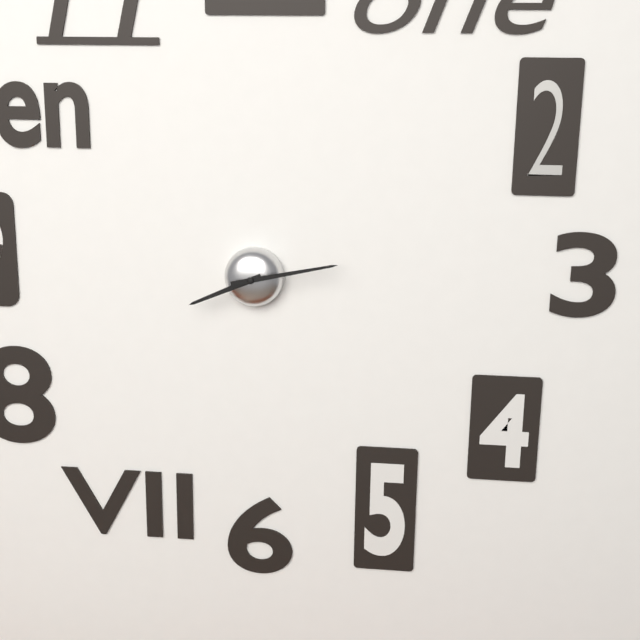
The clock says {"hour": 8, "minute": 13}
